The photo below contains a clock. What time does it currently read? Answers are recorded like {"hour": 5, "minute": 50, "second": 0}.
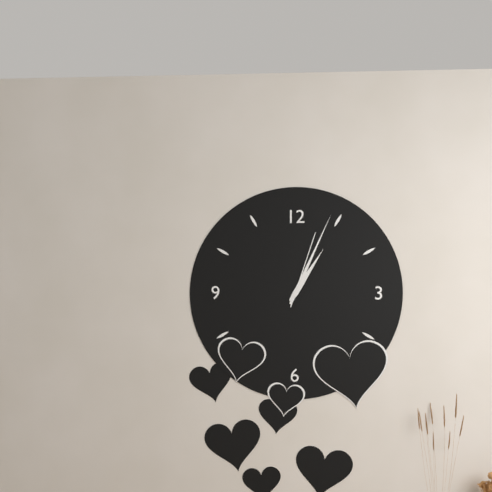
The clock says {"hour": 1, "minute": 4, "second": 3}
